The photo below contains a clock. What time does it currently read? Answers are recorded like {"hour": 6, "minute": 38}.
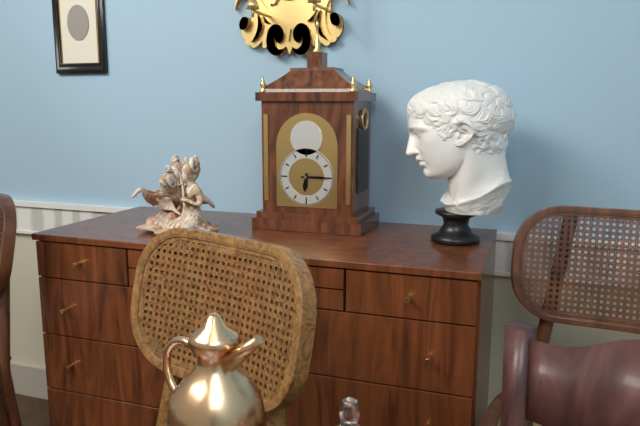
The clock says {"hour": 6, "minute": 15}
